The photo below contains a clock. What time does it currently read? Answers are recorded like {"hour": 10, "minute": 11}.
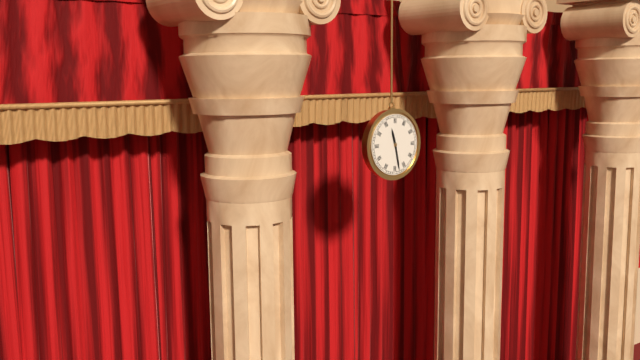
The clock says {"hour": 11, "minute": 28}
